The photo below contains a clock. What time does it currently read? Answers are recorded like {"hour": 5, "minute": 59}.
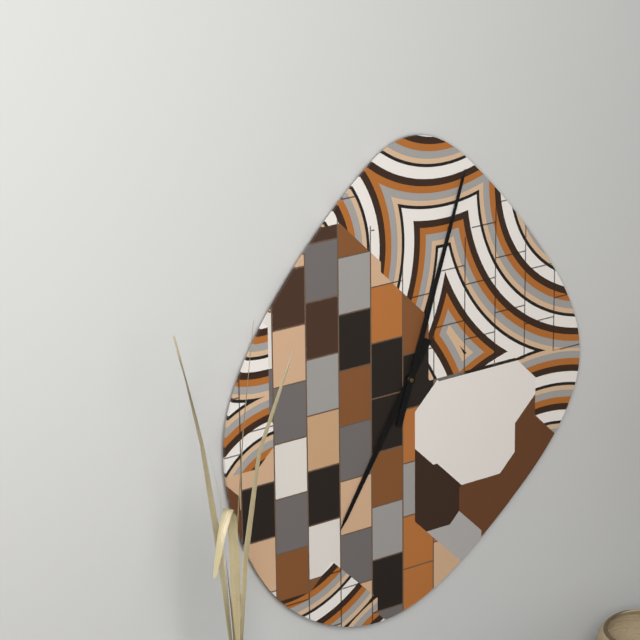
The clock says {"hour": 7, "minute": 3}
